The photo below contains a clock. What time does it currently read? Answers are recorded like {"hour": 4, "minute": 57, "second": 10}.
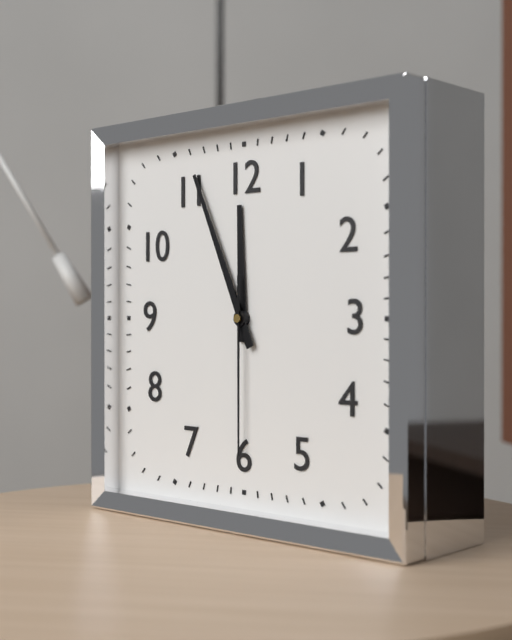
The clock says {"hour": 11, "minute": 56, "second": 30}
